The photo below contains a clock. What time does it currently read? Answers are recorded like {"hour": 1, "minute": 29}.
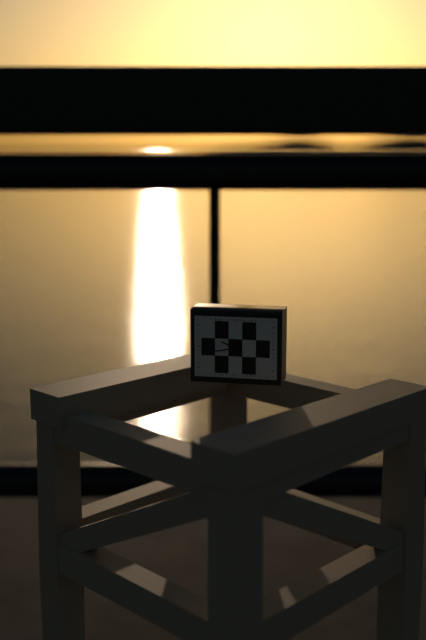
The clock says {"hour": 9, "minute": 43}
